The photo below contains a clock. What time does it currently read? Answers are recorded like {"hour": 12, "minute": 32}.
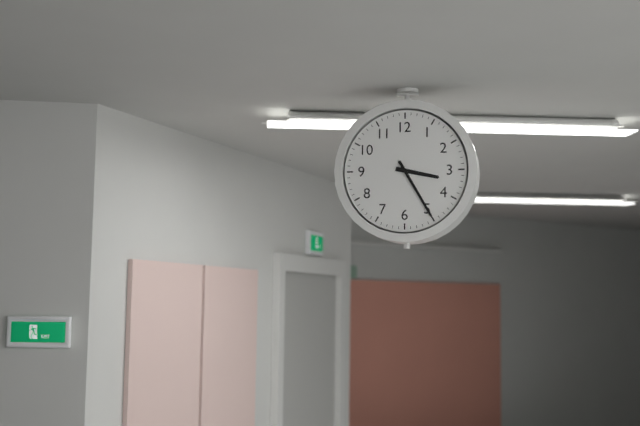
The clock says {"hour": 3, "minute": 25}
